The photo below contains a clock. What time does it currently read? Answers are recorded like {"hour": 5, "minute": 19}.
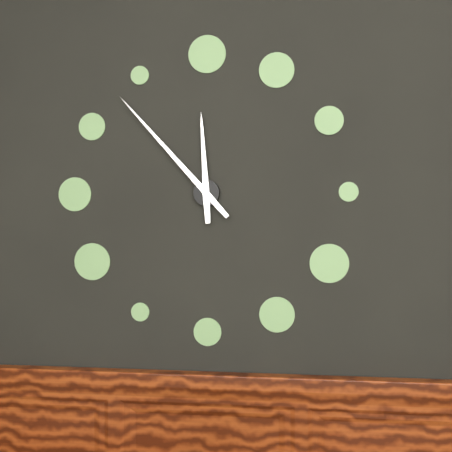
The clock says {"hour": 11, "minute": 53}
